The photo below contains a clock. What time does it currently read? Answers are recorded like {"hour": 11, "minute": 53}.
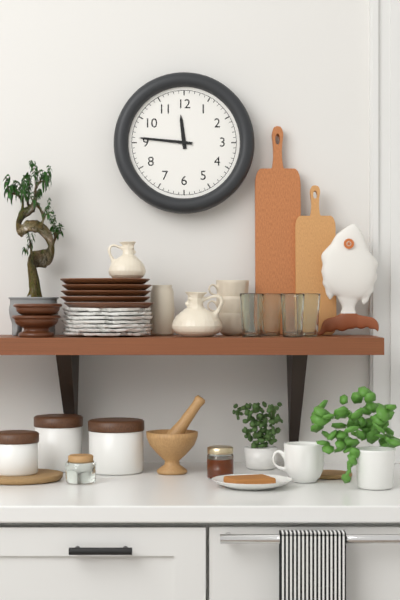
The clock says {"hour": 11, "minute": 46}
